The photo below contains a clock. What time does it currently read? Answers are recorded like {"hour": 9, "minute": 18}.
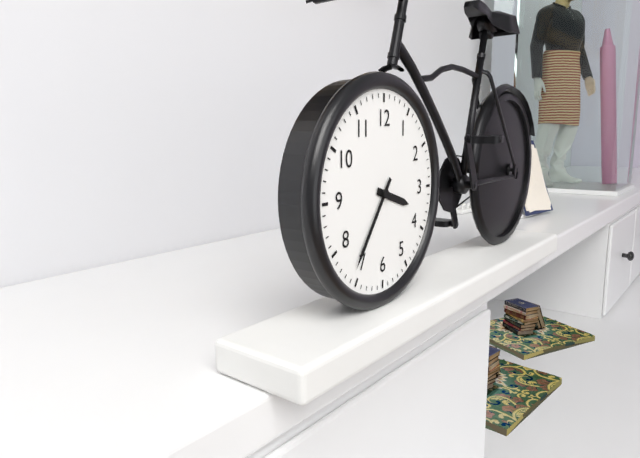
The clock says {"hour": 3, "minute": 36}
